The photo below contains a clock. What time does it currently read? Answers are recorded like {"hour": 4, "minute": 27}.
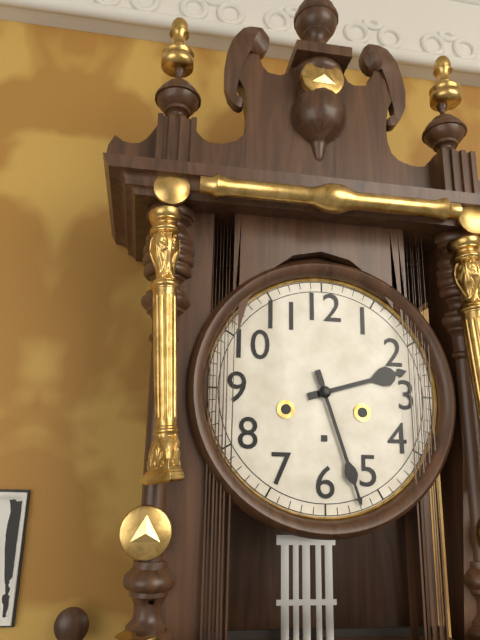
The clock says {"hour": 2, "minute": 27}
